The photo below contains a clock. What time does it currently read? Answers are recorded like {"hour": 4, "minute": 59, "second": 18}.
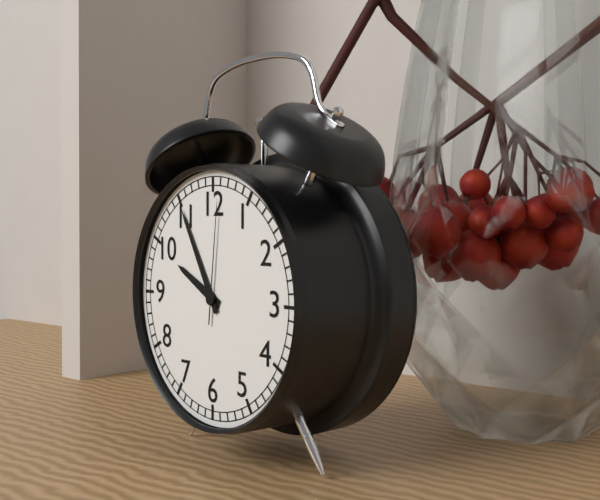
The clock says {"hour": 9, "minute": 55, "second": 1}
